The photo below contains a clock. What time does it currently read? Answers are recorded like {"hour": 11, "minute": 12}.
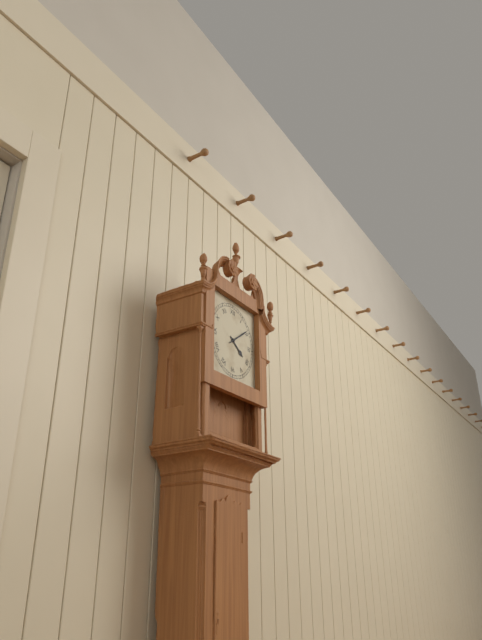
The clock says {"hour": 4, "minute": 9}
